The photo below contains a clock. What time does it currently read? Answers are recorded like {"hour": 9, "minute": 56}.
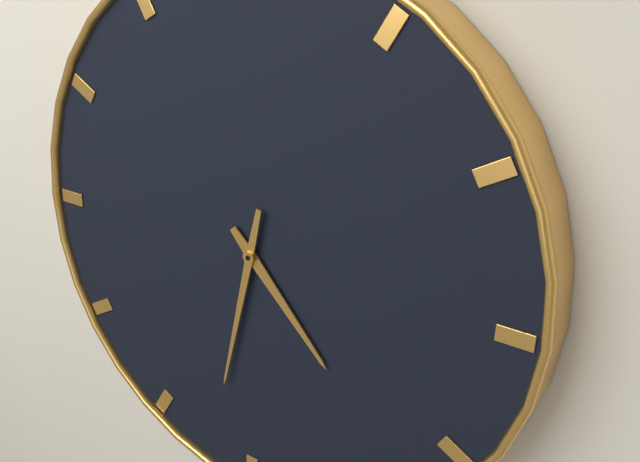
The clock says {"hour": 4, "minute": 32}
